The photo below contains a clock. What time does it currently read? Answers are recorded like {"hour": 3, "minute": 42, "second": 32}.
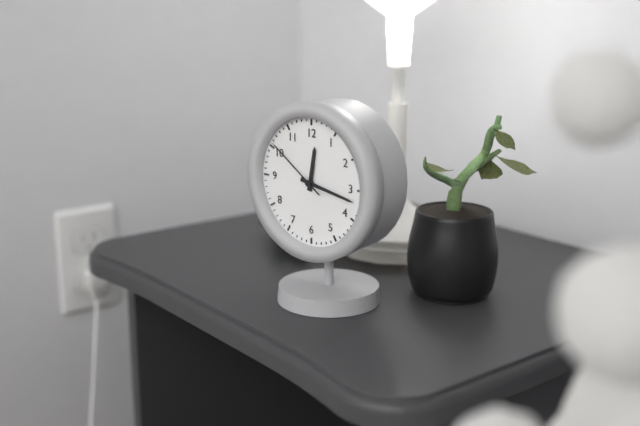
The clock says {"hour": 12, "minute": 17, "second": 51}
